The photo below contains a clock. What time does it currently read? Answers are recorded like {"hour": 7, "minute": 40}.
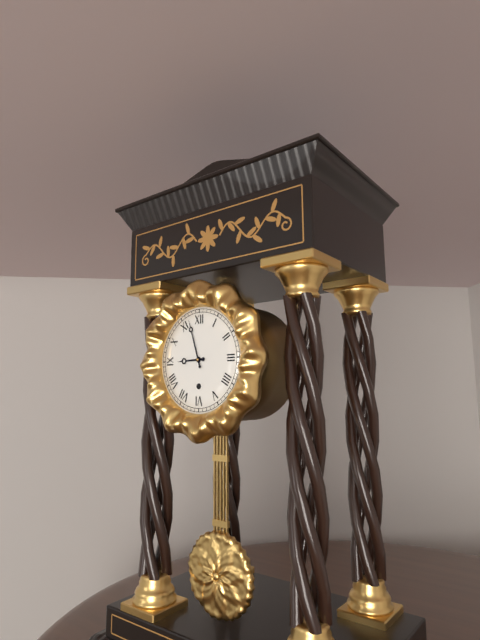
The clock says {"hour": 8, "minute": 57}
